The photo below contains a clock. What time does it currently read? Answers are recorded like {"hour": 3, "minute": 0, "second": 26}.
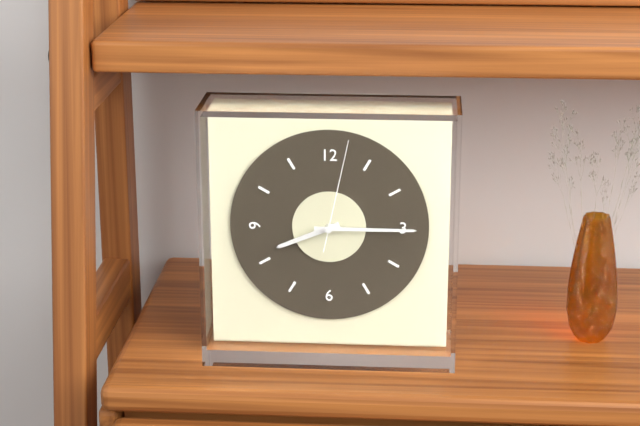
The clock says {"hour": 8, "minute": 15, "second": 2}
